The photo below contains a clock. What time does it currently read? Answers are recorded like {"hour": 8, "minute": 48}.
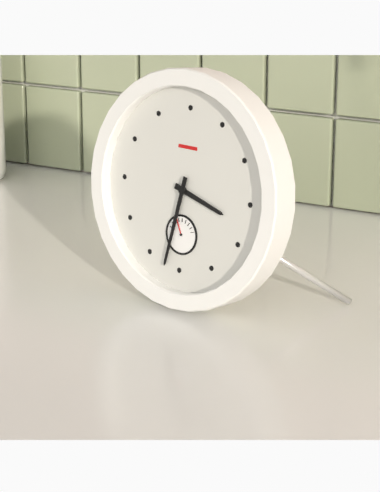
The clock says {"hour": 3, "minute": 32}
